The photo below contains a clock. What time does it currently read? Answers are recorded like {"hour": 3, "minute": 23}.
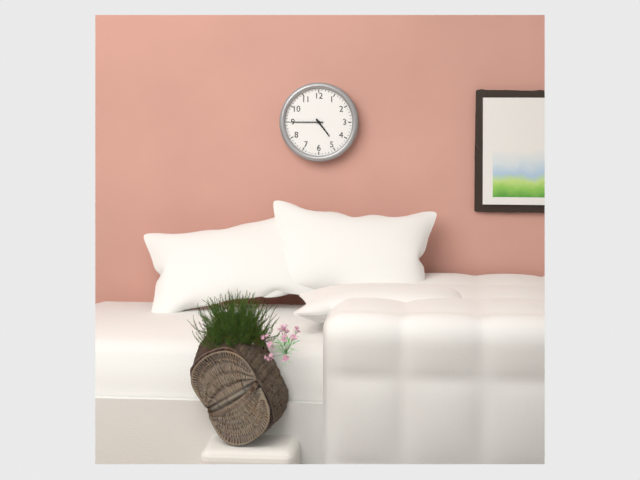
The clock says {"hour": 4, "minute": 45}
